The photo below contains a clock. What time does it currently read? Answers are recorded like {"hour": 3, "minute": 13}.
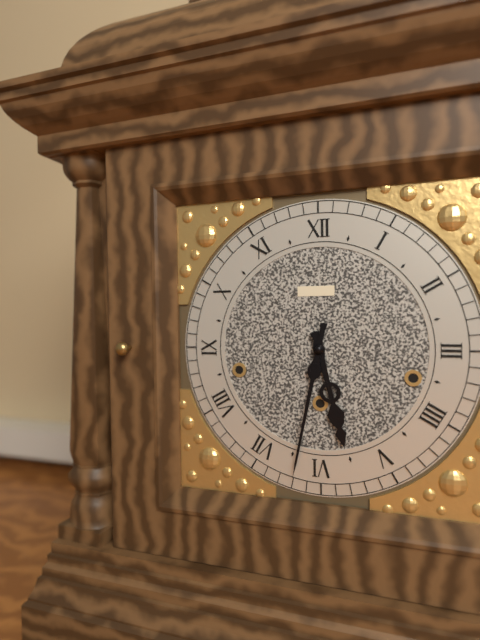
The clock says {"hour": 5, "minute": 32}
